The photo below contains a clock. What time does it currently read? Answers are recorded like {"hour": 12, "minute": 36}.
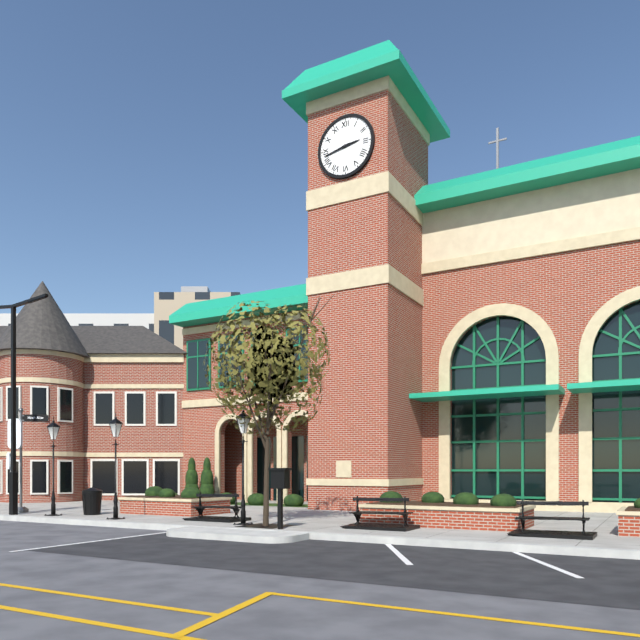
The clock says {"hour": 2, "minute": 43}
